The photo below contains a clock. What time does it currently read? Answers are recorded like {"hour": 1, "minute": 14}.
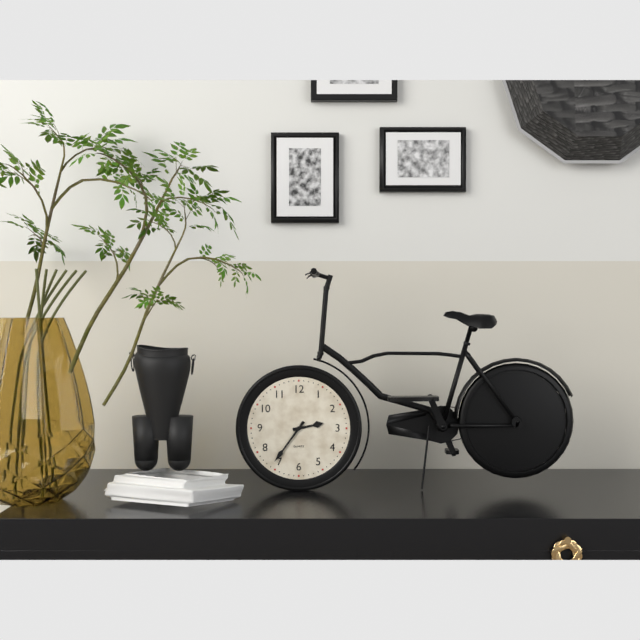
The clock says {"hour": 2, "minute": 36}
